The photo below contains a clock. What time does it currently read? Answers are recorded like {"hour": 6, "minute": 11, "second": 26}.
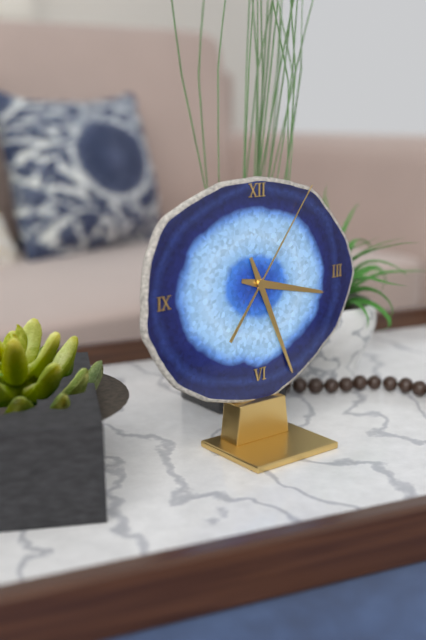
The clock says {"hour": 3, "minute": 26, "second": 6}
